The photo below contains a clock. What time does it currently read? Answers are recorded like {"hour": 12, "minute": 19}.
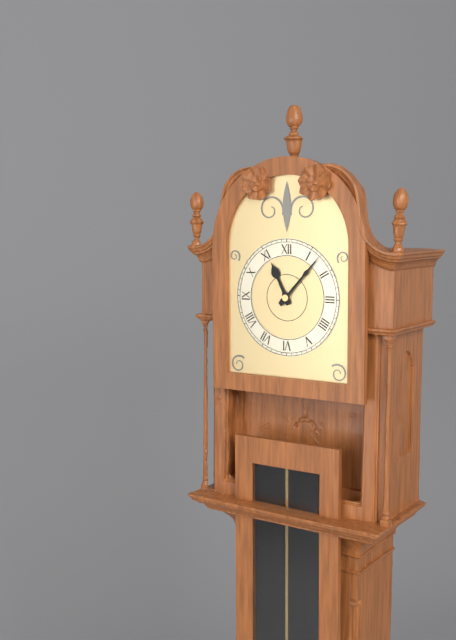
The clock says {"hour": 11, "minute": 7}
